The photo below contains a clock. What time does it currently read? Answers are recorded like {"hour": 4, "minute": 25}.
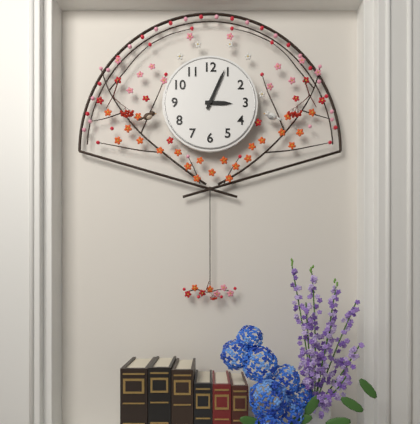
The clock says {"hour": 3, "minute": 4}
